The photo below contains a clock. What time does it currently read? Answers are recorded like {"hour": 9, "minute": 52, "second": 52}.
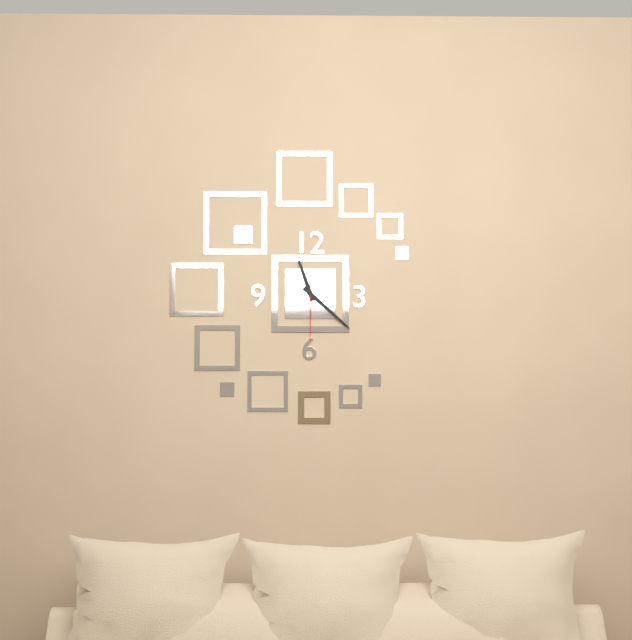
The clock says {"hour": 11, "minute": 22, "second": 30}
